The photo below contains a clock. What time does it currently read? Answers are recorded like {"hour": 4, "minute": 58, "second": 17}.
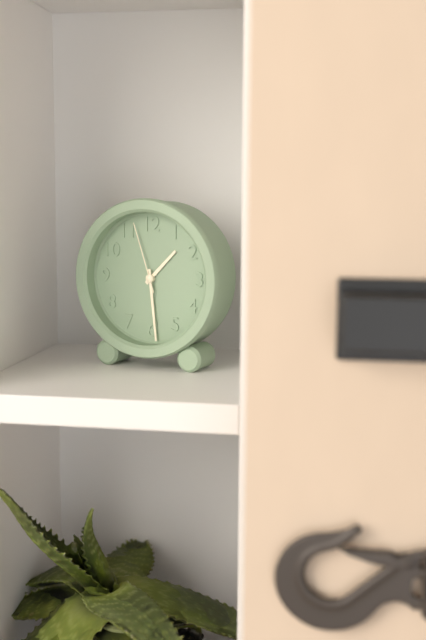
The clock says {"hour": 1, "minute": 29, "second": 57}
